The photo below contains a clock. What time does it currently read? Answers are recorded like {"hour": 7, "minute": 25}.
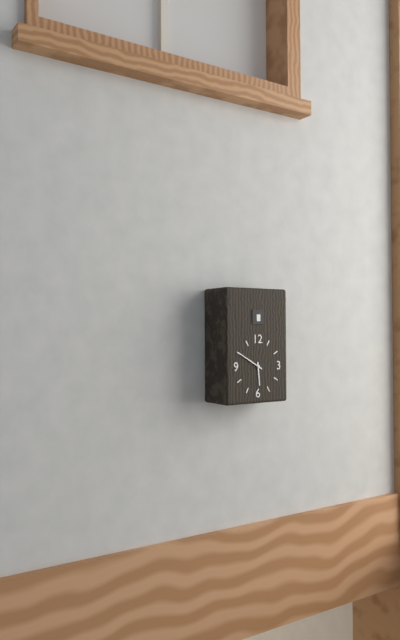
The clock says {"hour": 5, "minute": 50}
